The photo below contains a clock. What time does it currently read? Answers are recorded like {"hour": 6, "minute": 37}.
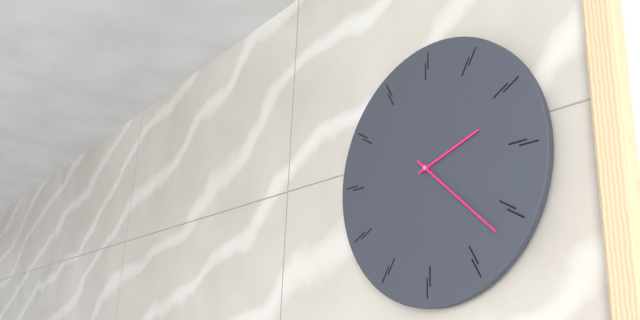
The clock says {"hour": 2, "minute": 22}
